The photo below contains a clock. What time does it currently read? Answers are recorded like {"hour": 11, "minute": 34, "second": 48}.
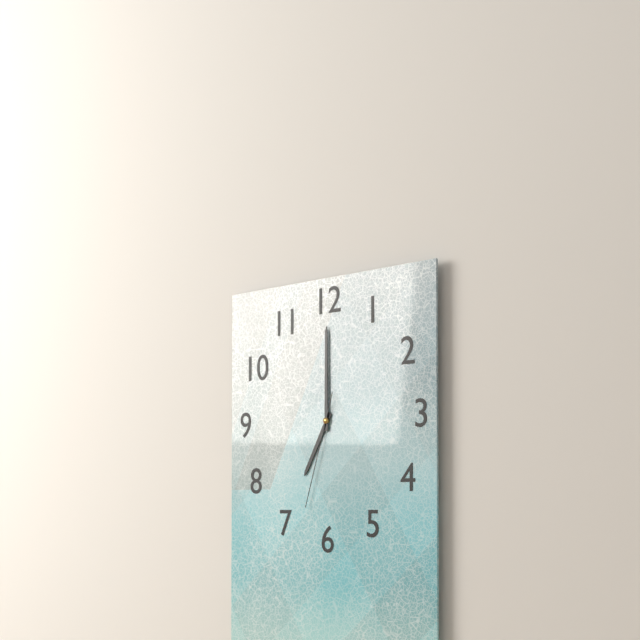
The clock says {"hour": 7, "minute": 0, "second": 33}
